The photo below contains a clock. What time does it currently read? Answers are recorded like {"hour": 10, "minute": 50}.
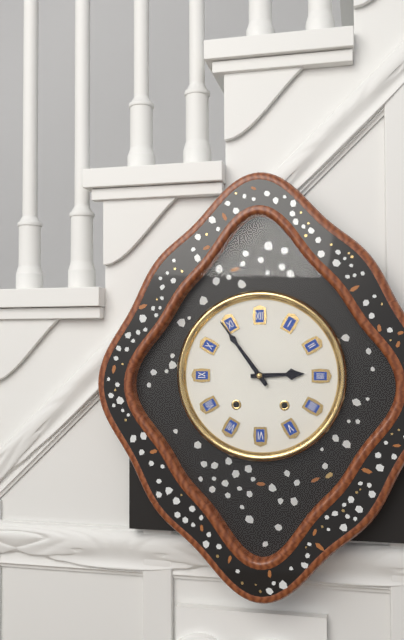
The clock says {"hour": 2, "minute": 54}
